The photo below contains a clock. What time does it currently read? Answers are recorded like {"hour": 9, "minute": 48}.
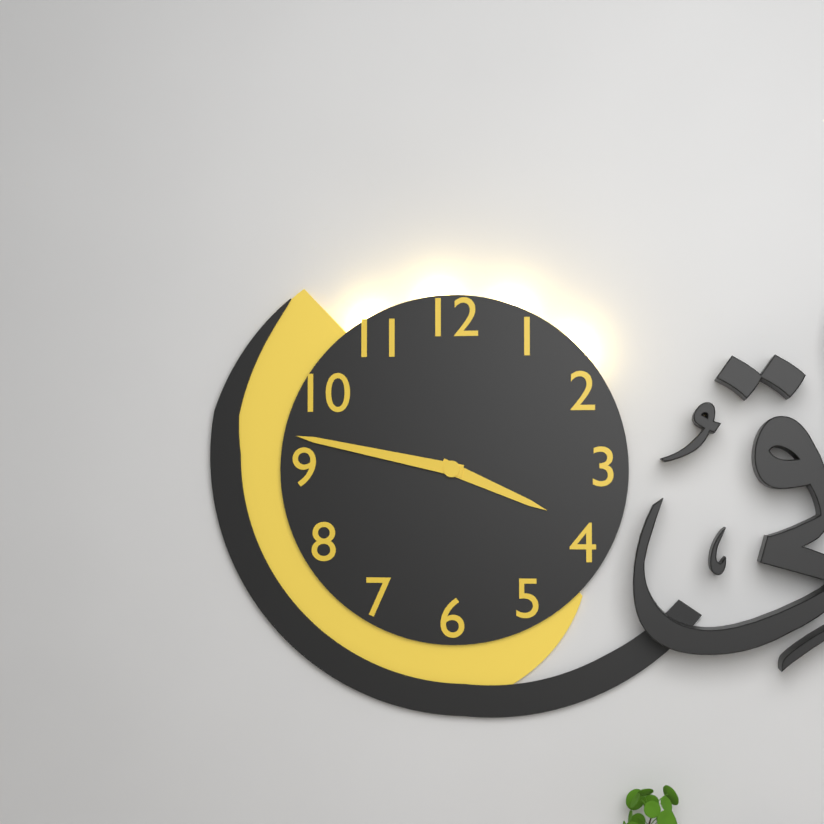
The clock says {"hour": 3, "minute": 47}
